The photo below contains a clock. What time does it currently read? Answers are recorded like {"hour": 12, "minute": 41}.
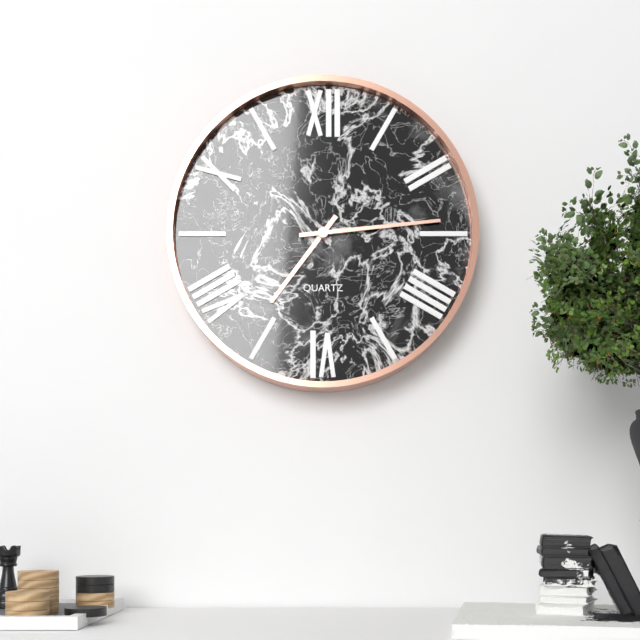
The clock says {"hour": 7, "minute": 14}
